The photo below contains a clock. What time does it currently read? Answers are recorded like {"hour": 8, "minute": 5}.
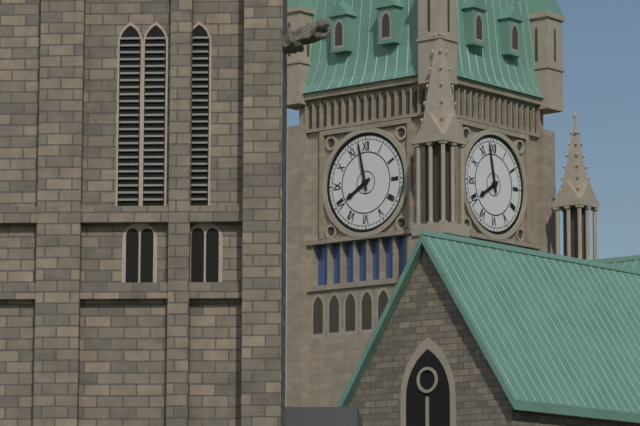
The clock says {"hour": 7, "minute": 58}
